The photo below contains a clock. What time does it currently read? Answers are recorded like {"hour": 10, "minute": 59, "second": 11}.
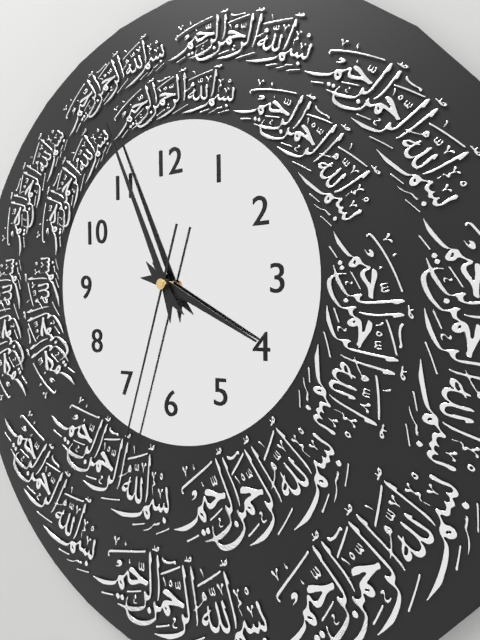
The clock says {"hour": 3, "minute": 56, "second": 33}
